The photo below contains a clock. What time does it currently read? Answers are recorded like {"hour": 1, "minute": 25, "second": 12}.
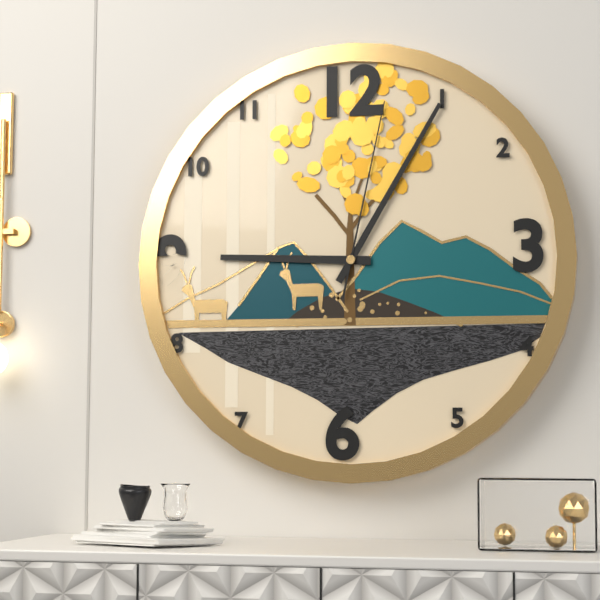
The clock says {"hour": 9, "minute": 5, "second": 2}
